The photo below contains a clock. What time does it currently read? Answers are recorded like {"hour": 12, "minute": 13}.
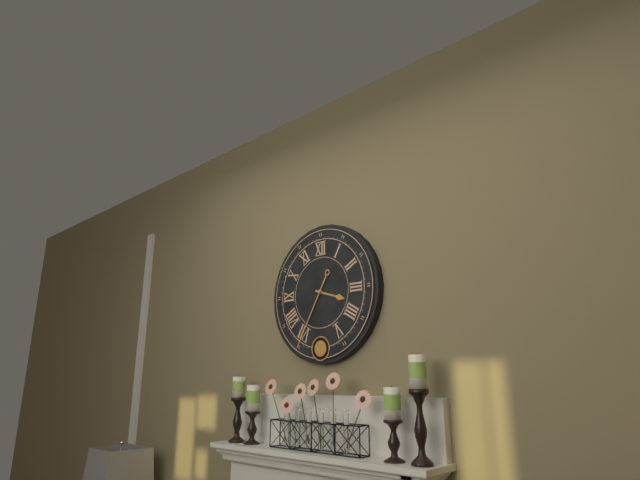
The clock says {"hour": 3, "minute": 35}
